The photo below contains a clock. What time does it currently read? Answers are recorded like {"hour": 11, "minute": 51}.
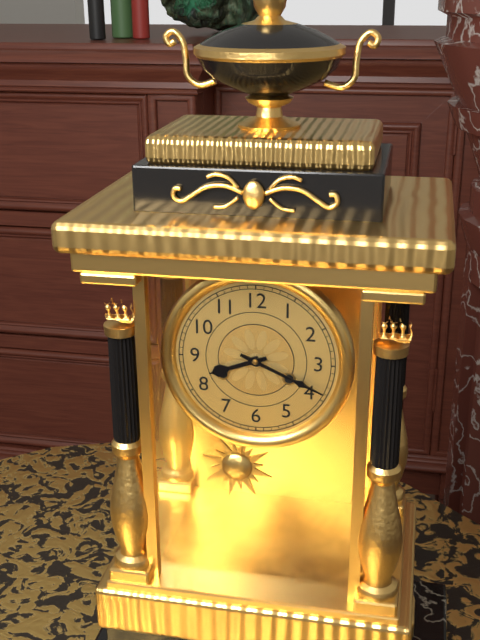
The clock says {"hour": 8, "minute": 19}
